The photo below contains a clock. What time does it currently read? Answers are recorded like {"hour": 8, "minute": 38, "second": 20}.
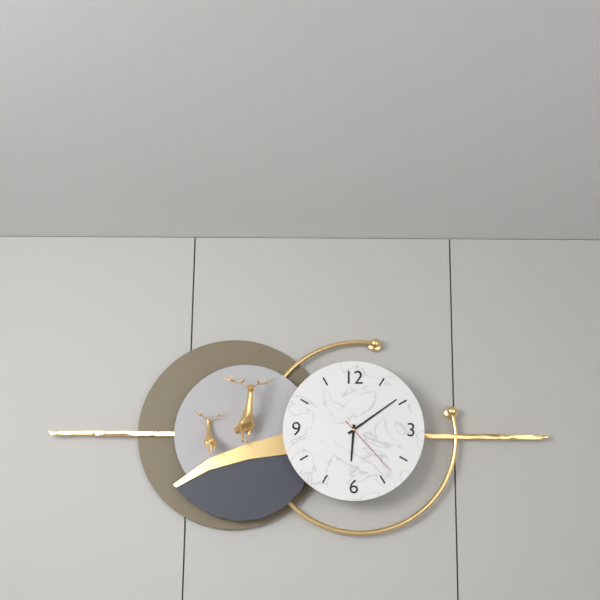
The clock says {"hour": 6, "minute": 9, "second": 23}
